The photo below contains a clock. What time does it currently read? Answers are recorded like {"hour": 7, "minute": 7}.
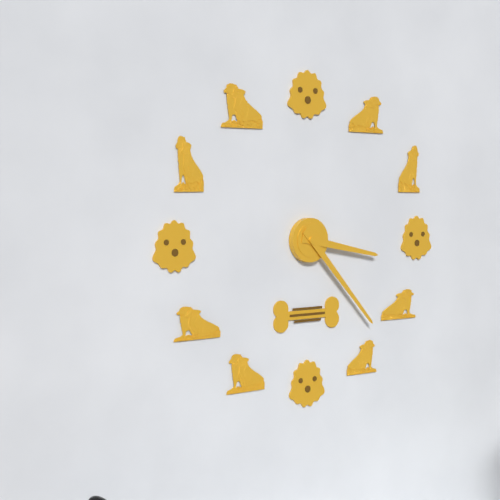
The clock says {"hour": 3, "minute": 23}
